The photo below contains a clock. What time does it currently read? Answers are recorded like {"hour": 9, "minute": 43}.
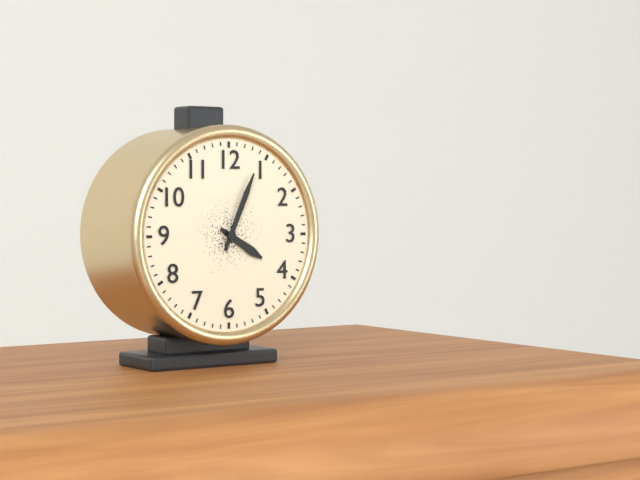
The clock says {"hour": 4, "minute": 4}
